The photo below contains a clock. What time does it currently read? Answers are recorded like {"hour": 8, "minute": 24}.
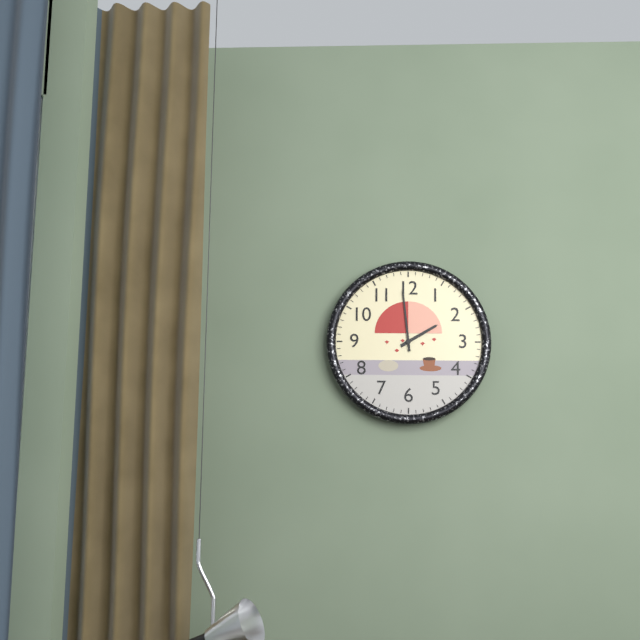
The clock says {"hour": 1, "minute": 59}
